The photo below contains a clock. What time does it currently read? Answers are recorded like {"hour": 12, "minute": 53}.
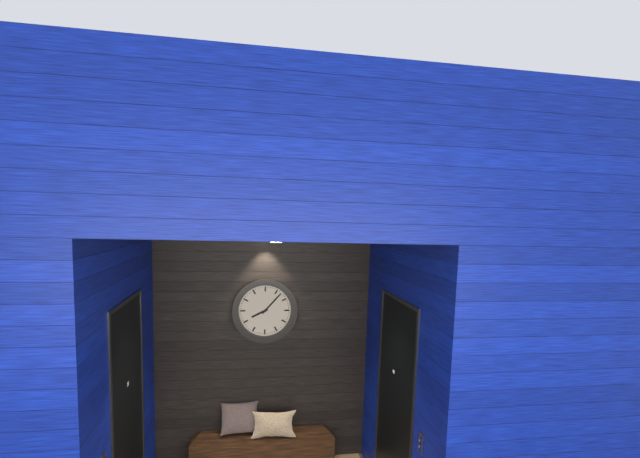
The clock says {"hour": 8, "minute": 7}
